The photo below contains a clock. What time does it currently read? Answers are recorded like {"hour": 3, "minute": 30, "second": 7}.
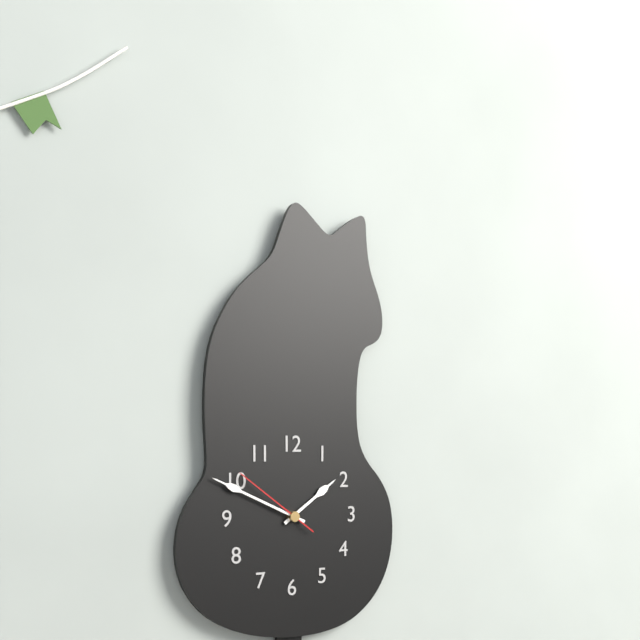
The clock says {"hour": 1, "minute": 49, "second": 51}
